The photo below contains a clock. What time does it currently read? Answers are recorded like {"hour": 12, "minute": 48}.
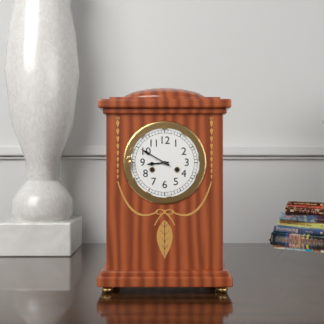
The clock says {"hour": 8, "minute": 50}
